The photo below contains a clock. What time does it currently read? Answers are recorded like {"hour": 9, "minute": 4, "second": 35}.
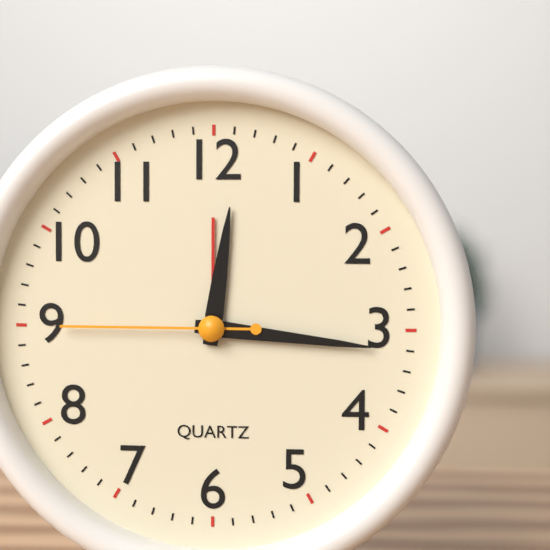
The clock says {"hour": 12, "minute": 16, "second": 45}
